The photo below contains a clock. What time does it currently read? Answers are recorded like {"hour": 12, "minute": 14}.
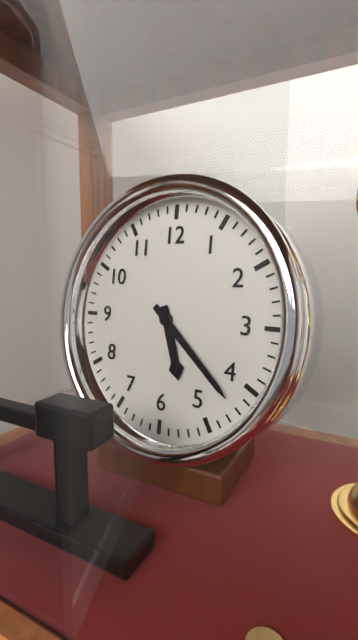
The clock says {"hour": 5, "minute": 22}
